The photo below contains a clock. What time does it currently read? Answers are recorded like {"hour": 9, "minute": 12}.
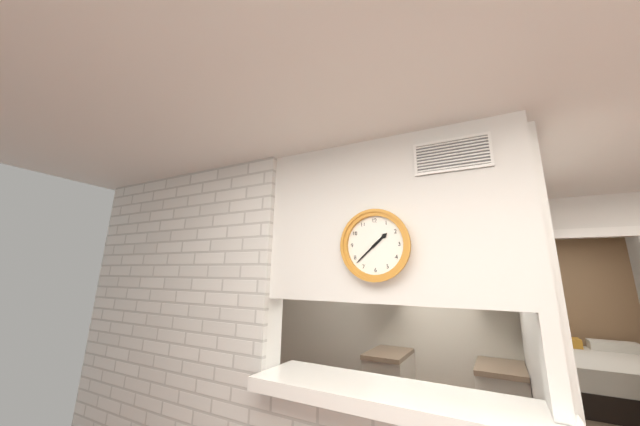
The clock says {"hour": 1, "minute": 38}
